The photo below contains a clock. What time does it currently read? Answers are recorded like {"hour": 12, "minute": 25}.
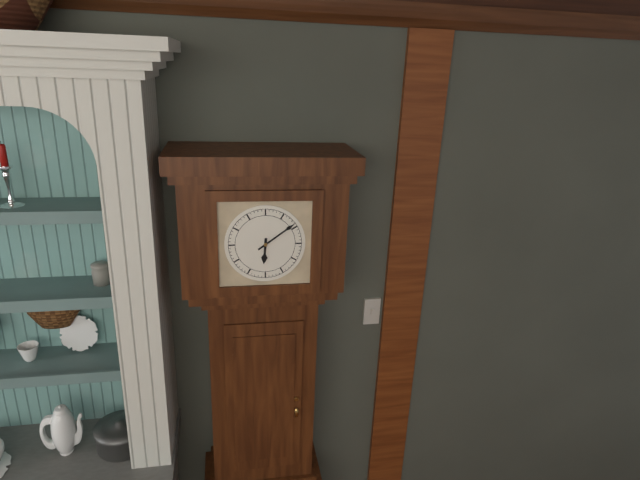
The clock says {"hour": 6, "minute": 9}
